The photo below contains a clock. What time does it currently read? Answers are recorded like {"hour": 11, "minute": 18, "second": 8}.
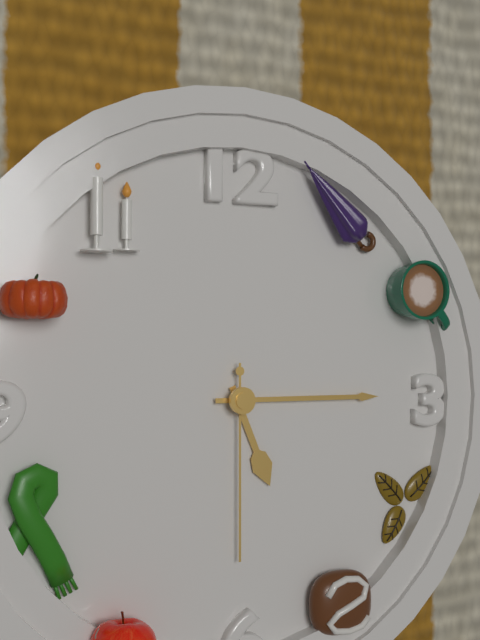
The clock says {"hour": 5, "minute": 15, "second": 30}
